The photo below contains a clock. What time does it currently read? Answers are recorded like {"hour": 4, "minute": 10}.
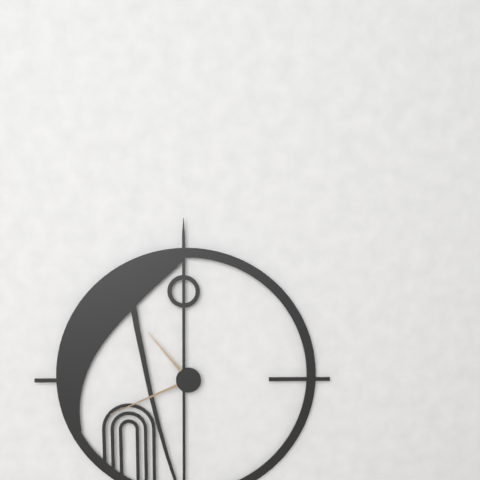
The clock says {"hour": 10, "minute": 41}
